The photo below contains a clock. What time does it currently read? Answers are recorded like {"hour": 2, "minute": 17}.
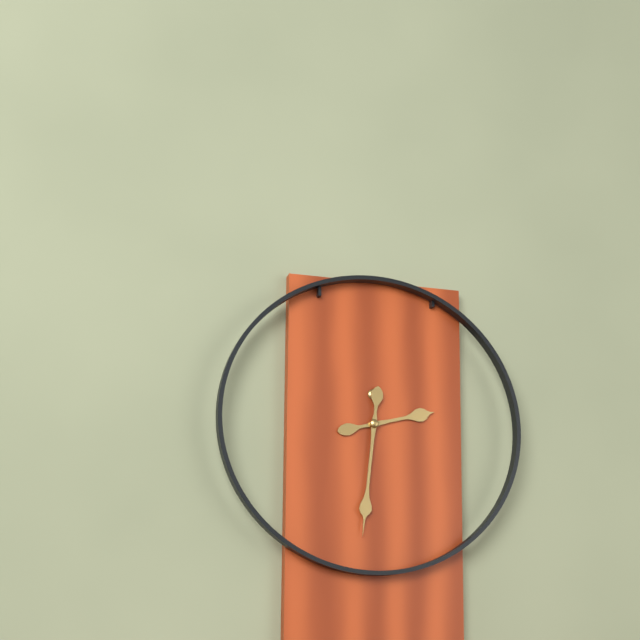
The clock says {"hour": 2, "minute": 31}
